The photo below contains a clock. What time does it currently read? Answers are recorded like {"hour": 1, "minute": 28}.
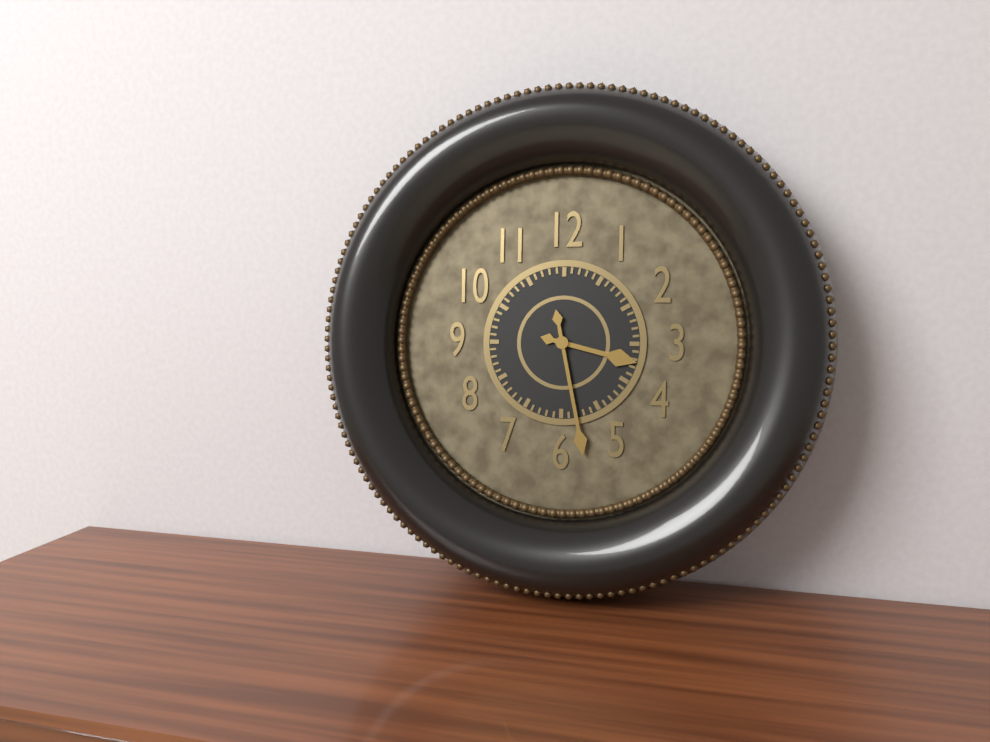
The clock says {"hour": 3, "minute": 28}
